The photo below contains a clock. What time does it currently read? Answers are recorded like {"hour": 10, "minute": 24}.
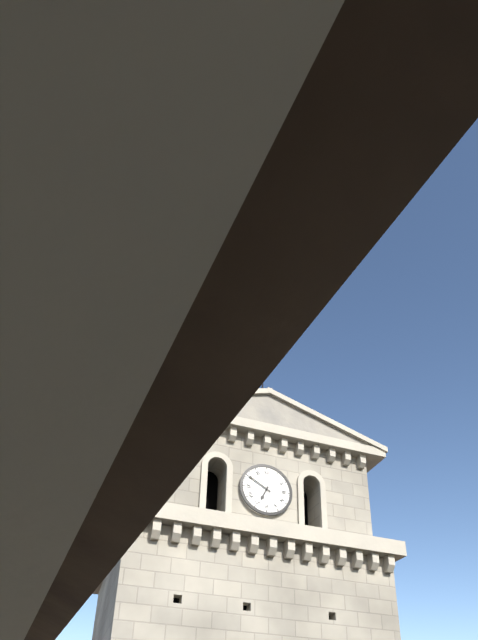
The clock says {"hour": 6, "minute": 50}
